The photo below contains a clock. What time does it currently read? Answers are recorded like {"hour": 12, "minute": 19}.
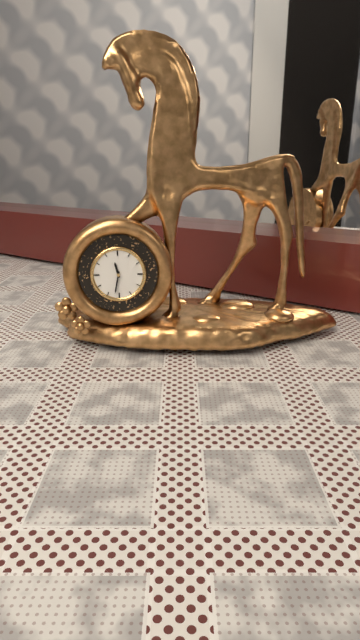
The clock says {"hour": 11, "minute": 32}
